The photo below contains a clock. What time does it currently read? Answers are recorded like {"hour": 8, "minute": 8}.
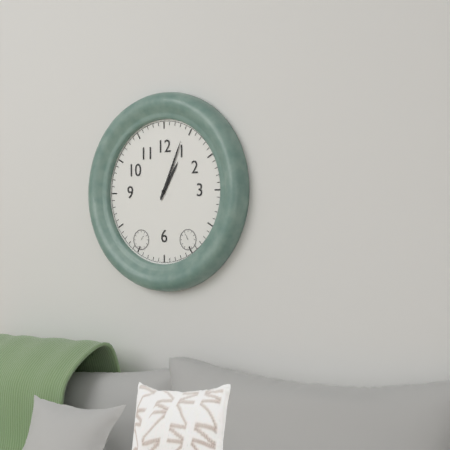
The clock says {"hour": 1, "minute": 4}
